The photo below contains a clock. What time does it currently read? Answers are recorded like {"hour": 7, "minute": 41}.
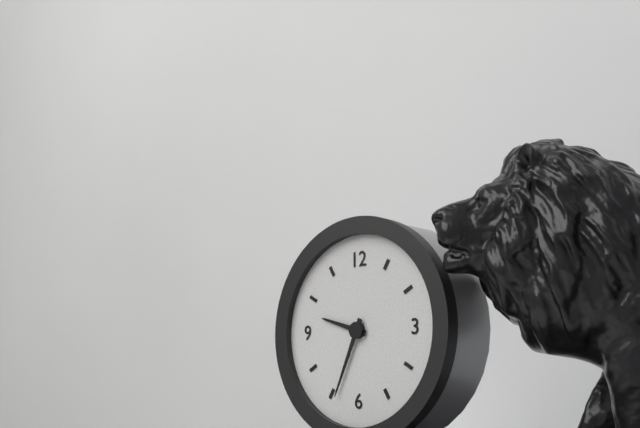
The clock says {"hour": 9, "minute": 34}
